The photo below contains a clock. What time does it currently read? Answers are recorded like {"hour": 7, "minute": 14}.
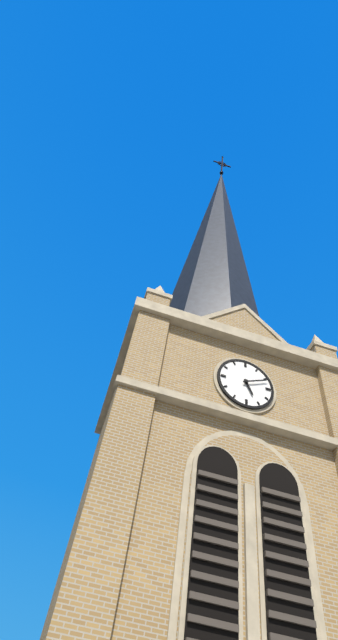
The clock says {"hour": 5, "minute": 11}
